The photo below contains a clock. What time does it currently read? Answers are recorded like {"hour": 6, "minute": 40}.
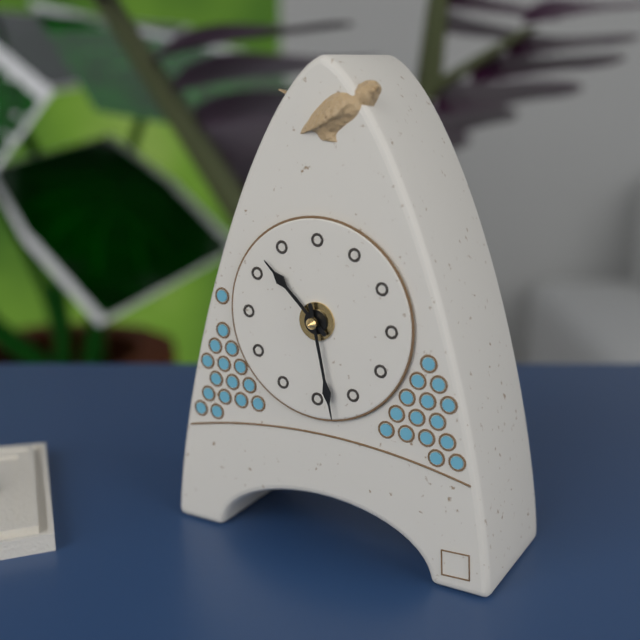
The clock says {"hour": 10, "minute": 28}
